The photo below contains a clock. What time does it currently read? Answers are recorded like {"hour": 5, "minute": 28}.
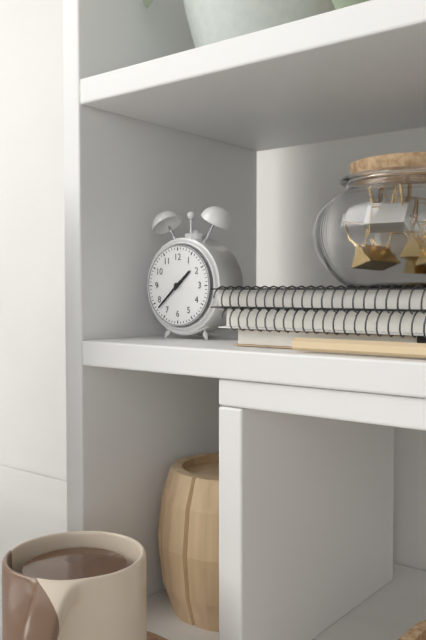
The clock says {"hour": 1, "minute": 38}
